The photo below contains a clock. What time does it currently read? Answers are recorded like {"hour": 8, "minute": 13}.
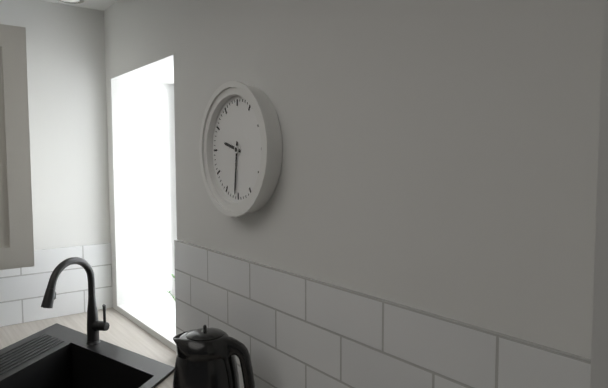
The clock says {"hour": 9, "minute": 31}
